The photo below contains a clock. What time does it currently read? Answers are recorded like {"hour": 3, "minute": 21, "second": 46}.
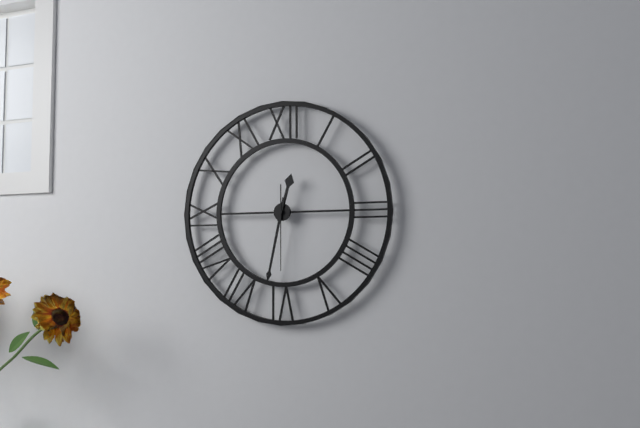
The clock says {"hour": 12, "minute": 32, "second": 30}
